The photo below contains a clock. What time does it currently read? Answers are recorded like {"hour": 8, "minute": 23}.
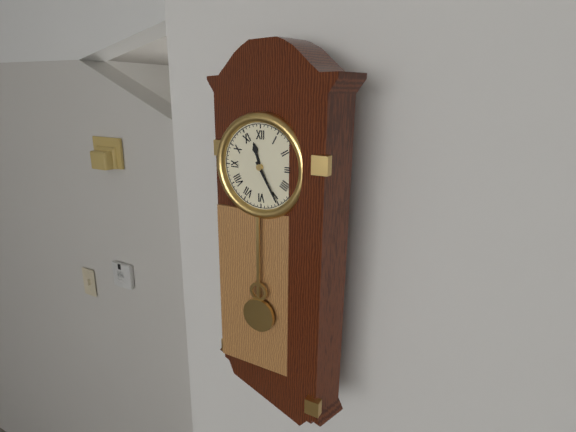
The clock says {"hour": 11, "minute": 25}
